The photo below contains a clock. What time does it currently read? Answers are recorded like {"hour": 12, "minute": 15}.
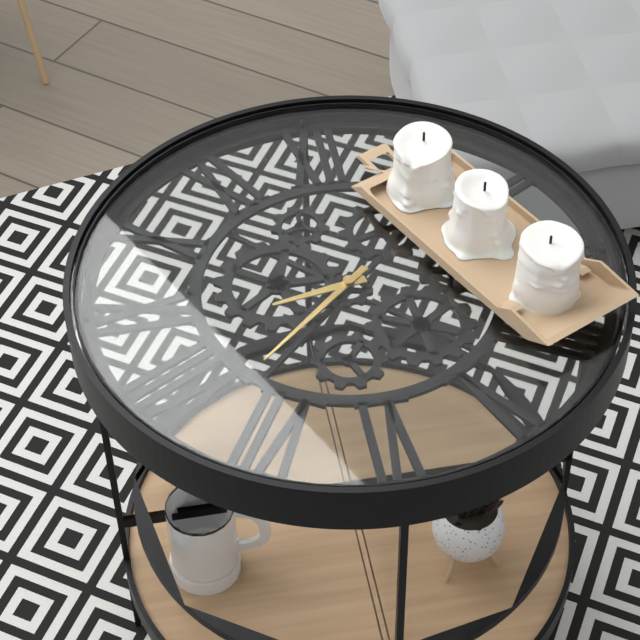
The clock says {"hour": 8, "minute": 38}
